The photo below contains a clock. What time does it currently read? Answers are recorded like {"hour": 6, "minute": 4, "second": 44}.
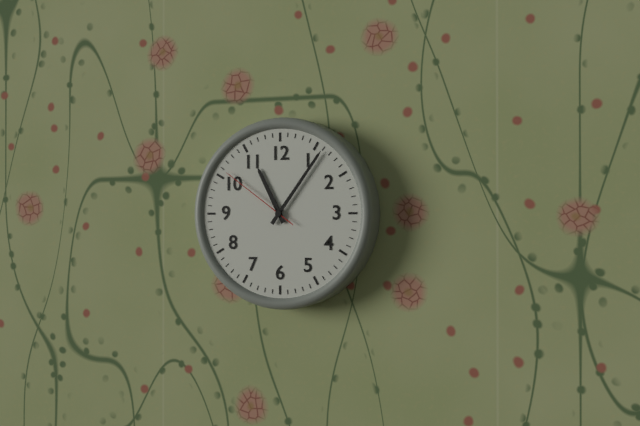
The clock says {"hour": 11, "minute": 6, "second": 51}
